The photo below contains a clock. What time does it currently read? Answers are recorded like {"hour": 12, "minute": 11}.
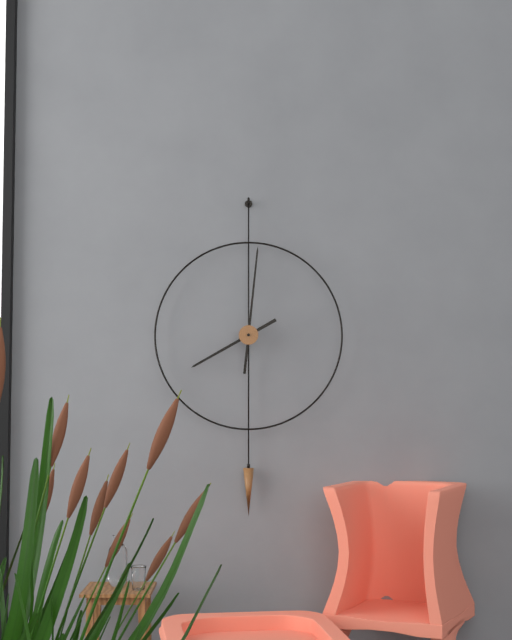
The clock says {"hour": 8, "minute": 1}
